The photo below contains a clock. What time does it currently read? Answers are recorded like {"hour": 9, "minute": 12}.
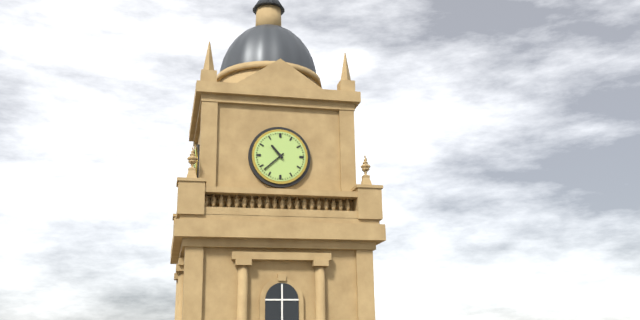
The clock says {"hour": 10, "minute": 38}
